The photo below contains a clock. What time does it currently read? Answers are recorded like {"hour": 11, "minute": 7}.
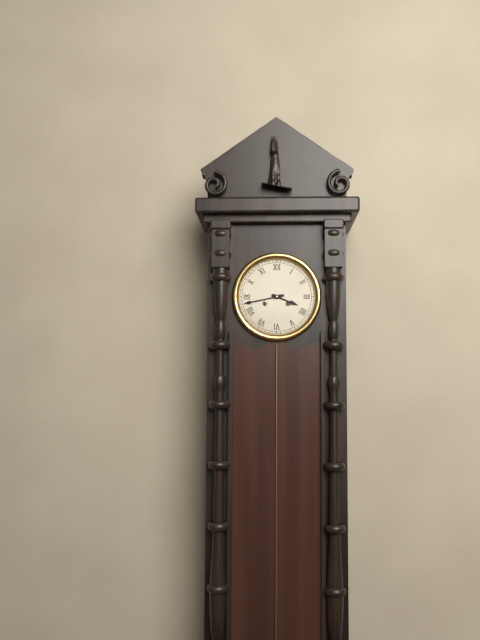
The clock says {"hour": 3, "minute": 43}
